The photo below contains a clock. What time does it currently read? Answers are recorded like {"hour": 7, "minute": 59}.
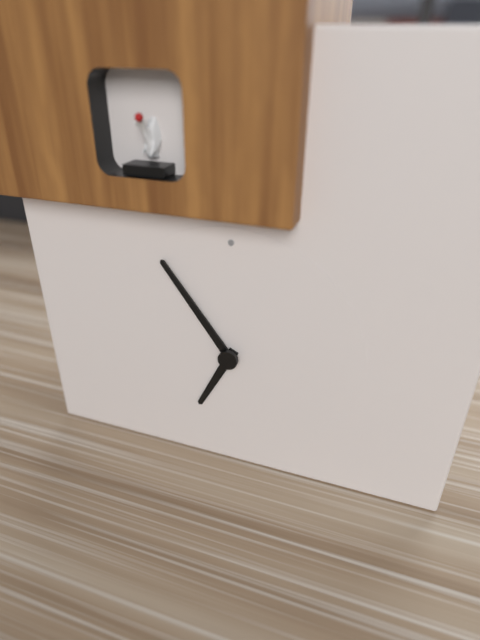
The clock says {"hour": 6, "minute": 54}
